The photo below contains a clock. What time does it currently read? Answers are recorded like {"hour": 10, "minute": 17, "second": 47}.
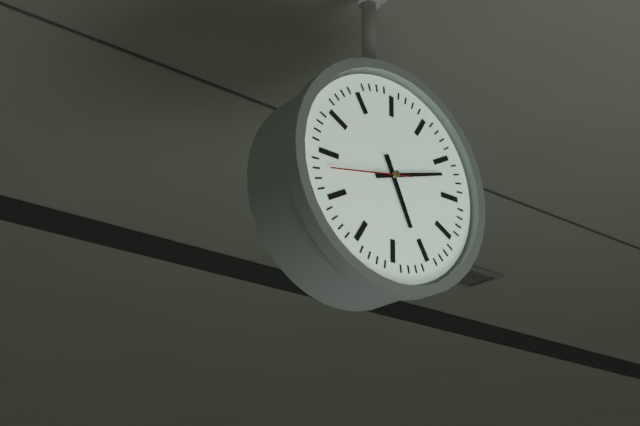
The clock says {"hour": 5, "minute": 12, "second": 43}
